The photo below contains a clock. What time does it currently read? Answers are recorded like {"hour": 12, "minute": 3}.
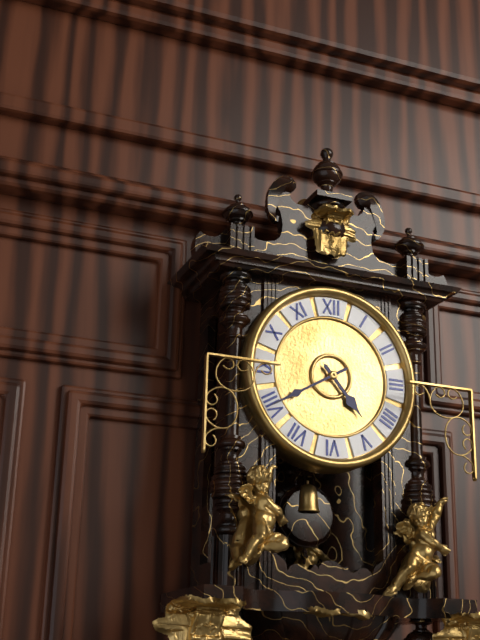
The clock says {"hour": 4, "minute": 40}
